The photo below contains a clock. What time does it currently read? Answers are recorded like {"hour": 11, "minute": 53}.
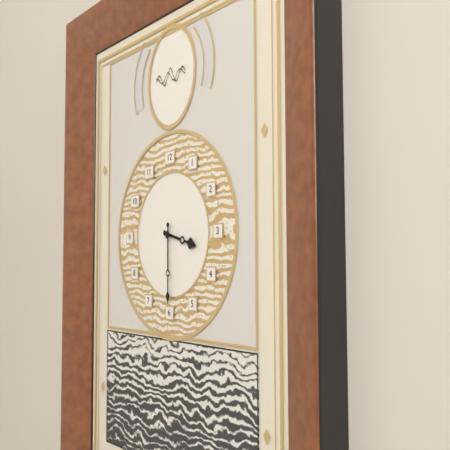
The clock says {"hour": 3, "minute": 30}
